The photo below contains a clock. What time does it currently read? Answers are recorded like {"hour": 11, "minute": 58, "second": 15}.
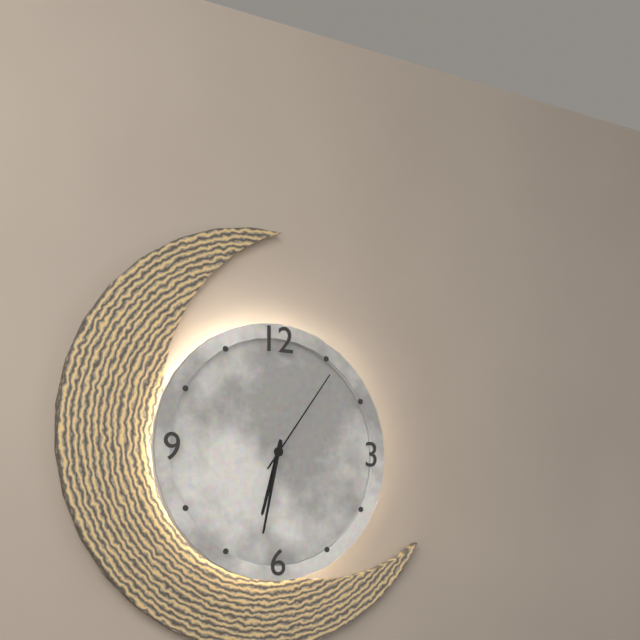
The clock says {"hour": 6, "minute": 32, "second": 6}
